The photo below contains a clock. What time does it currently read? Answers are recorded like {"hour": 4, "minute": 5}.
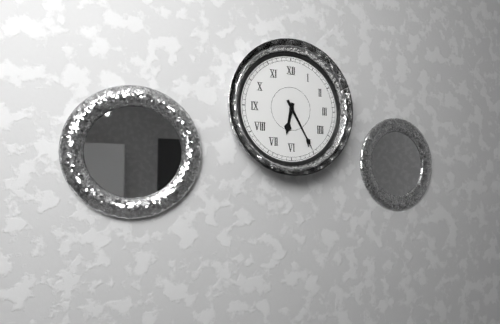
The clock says {"hour": 6, "minute": 25}
